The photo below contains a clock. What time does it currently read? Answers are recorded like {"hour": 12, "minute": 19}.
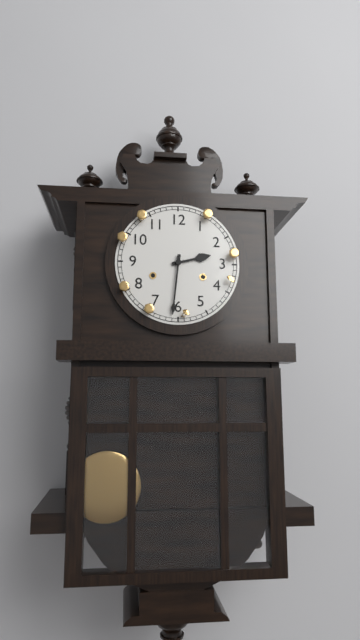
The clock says {"hour": 2, "minute": 31}
